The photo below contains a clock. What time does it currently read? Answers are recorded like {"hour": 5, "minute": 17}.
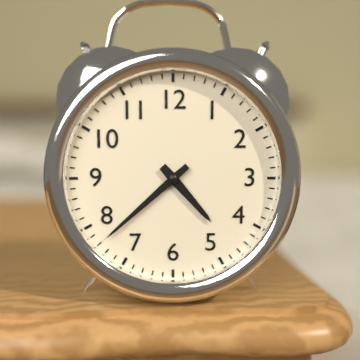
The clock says {"hour": 4, "minute": 38}
